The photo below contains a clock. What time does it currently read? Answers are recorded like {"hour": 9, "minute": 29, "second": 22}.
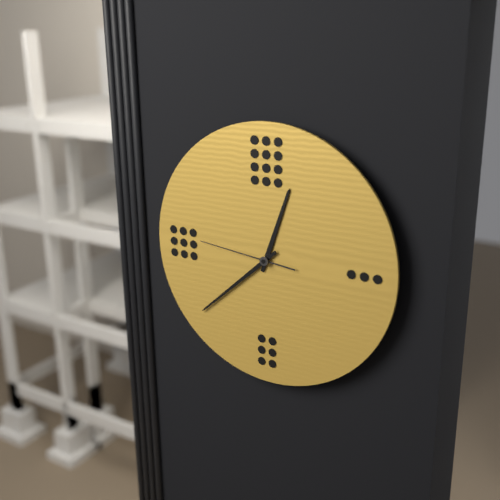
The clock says {"hour": 12, "minute": 38, "second": 46}
